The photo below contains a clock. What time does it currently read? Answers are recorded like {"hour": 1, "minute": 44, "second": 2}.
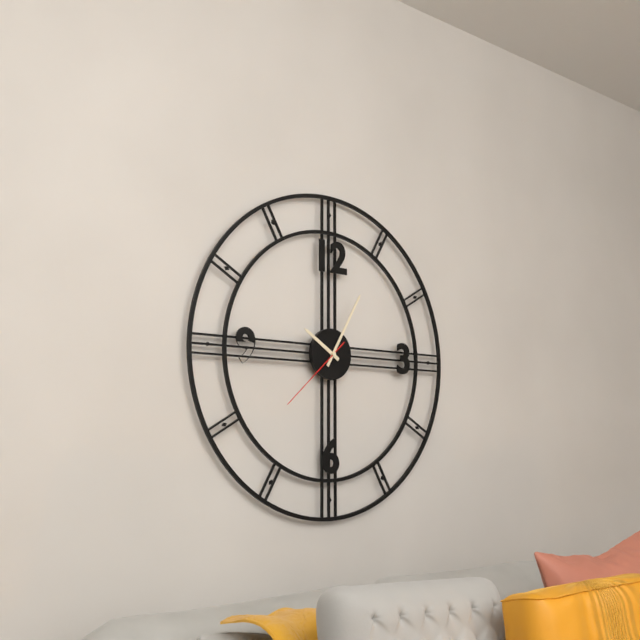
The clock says {"hour": 10, "minute": 5, "second": 38}
